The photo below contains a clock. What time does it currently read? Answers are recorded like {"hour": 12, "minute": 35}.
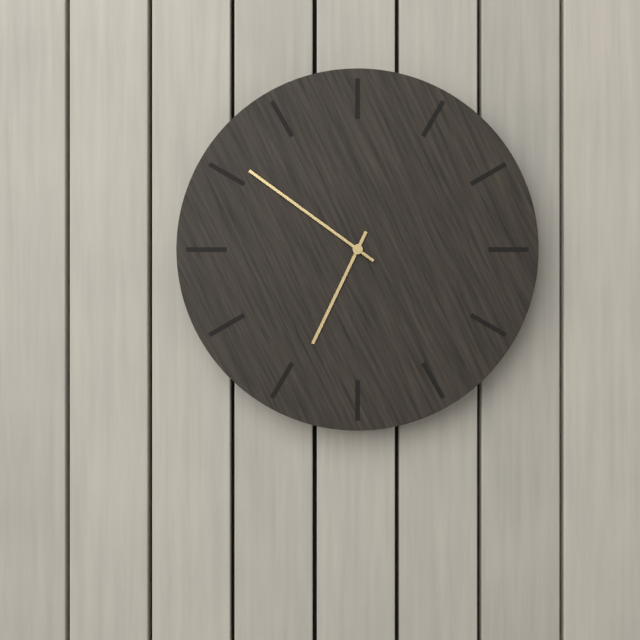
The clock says {"hour": 6, "minute": 51}
